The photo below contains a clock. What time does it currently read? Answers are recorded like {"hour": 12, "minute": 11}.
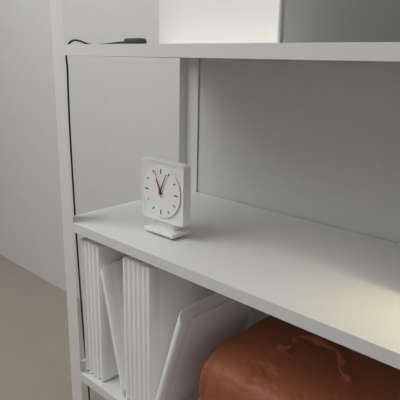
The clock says {"hour": 11, "minute": 4}
